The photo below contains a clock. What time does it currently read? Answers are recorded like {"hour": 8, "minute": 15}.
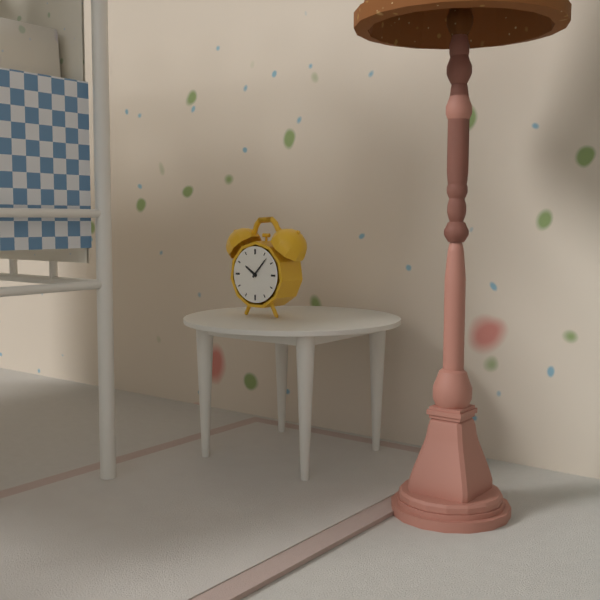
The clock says {"hour": 10, "minute": 7}
